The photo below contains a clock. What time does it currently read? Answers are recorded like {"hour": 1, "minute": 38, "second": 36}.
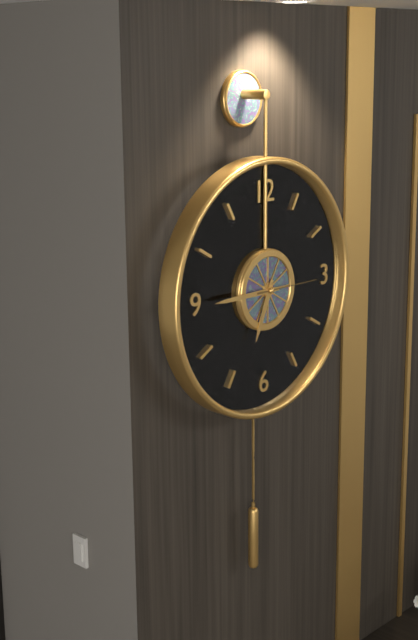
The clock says {"hour": 6, "minute": 45, "second": 15}
